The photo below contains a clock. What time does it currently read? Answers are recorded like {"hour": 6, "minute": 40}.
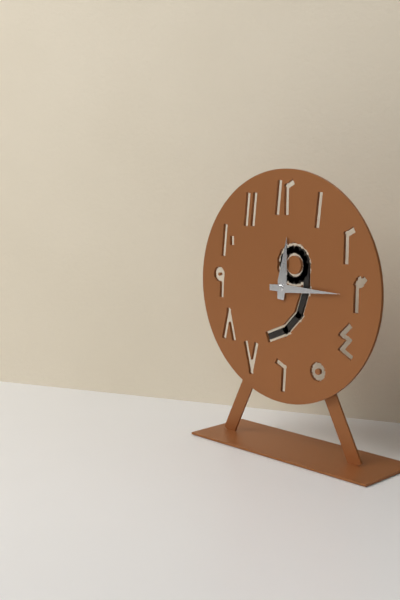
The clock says {"hour": 12, "minute": 15}
